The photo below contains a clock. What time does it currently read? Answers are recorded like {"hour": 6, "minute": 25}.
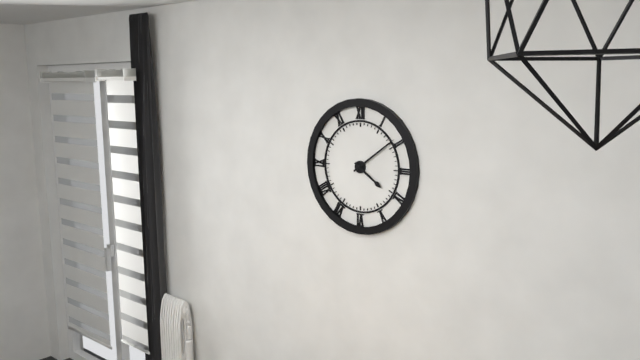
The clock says {"hour": 4, "minute": 9}
